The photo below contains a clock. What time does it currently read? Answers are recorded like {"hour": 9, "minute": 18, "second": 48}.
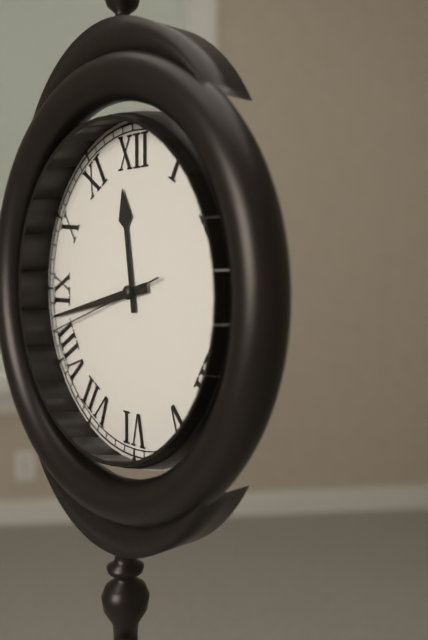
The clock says {"hour": 11, "minute": 43, "second": 42}
